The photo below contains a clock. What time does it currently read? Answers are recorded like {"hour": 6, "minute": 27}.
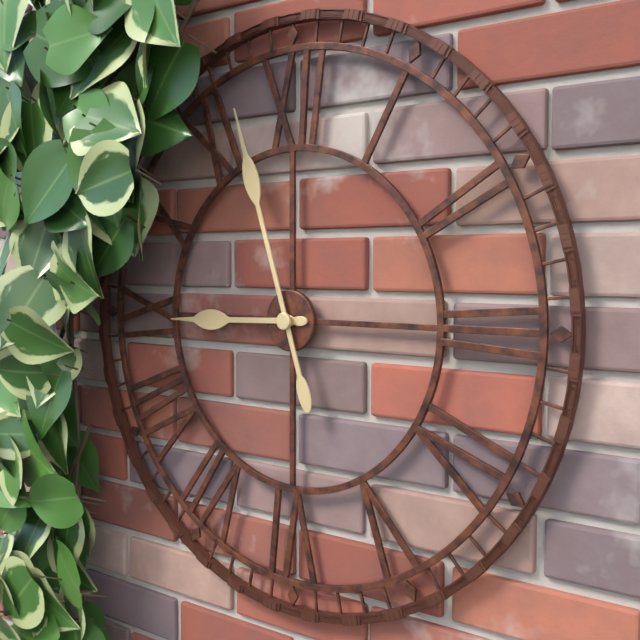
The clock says {"hour": 8, "minute": 57}
